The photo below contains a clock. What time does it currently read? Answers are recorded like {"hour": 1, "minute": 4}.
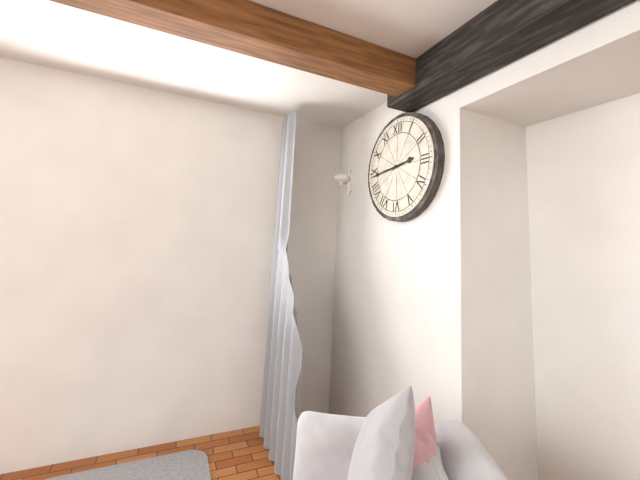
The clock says {"hour": 2, "minute": 44}
